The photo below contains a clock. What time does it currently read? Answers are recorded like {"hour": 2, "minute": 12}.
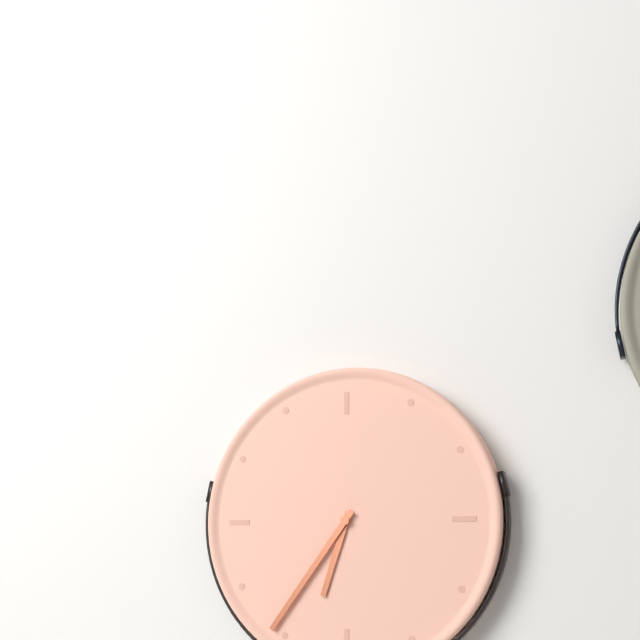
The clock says {"hour": 6, "minute": 36}
